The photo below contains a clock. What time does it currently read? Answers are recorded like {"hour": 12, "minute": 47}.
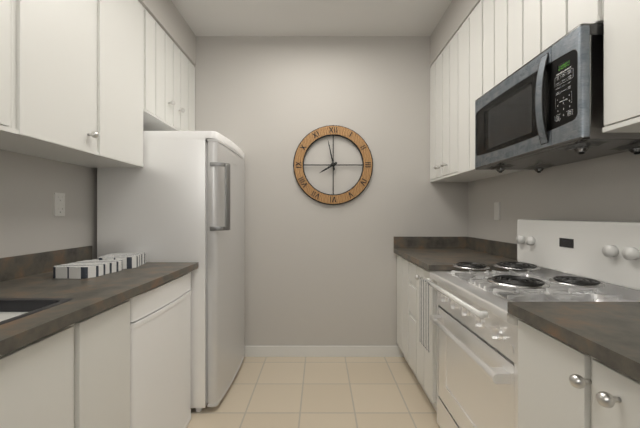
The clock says {"hour": 7, "minute": 58}
